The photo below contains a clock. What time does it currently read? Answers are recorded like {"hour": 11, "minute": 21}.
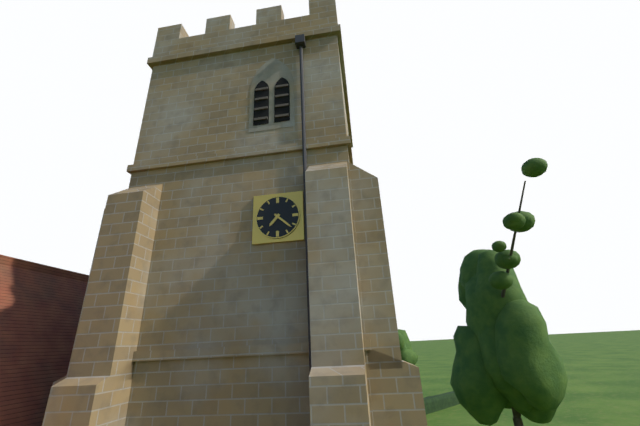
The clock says {"hour": 7, "minute": 22}
